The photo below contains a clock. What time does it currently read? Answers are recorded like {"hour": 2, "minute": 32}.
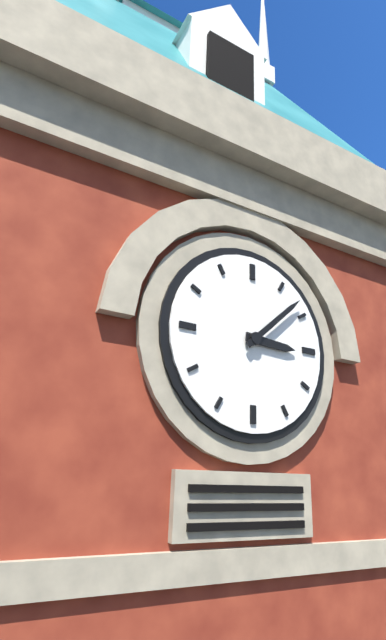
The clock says {"hour": 3, "minute": 8}
